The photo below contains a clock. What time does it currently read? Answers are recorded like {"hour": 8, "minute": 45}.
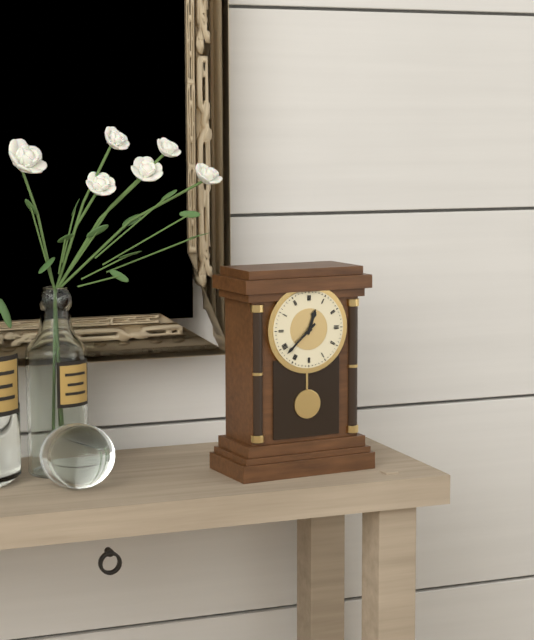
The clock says {"hour": 12, "minute": 38}
